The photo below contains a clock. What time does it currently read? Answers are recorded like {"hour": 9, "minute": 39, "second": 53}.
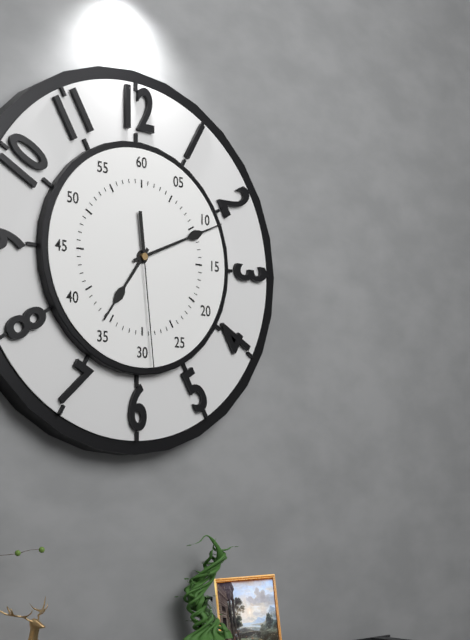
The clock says {"hour": 7, "minute": 11, "second": 29}
